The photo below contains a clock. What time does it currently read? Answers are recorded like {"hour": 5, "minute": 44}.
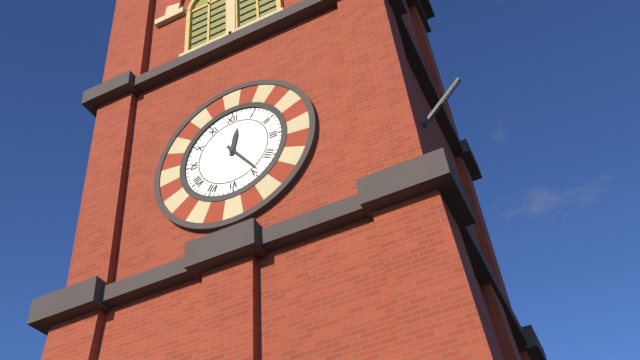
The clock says {"hour": 12, "minute": 24}
